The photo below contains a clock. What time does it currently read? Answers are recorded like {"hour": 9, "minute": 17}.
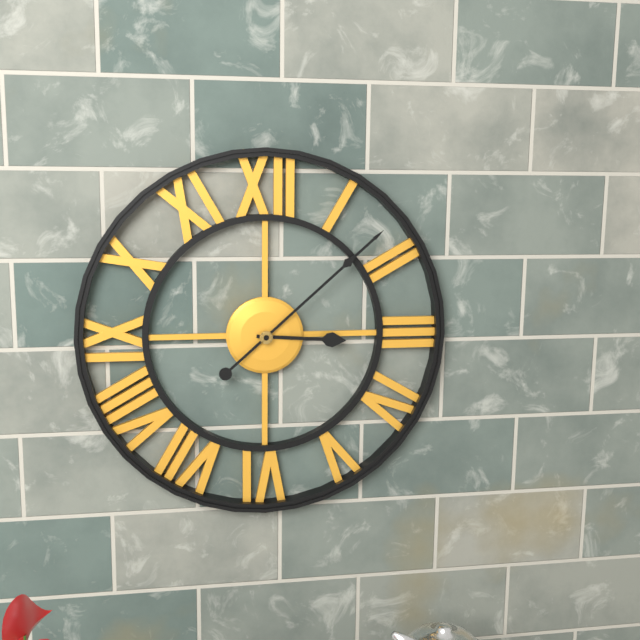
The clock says {"hour": 3, "minute": 8}
